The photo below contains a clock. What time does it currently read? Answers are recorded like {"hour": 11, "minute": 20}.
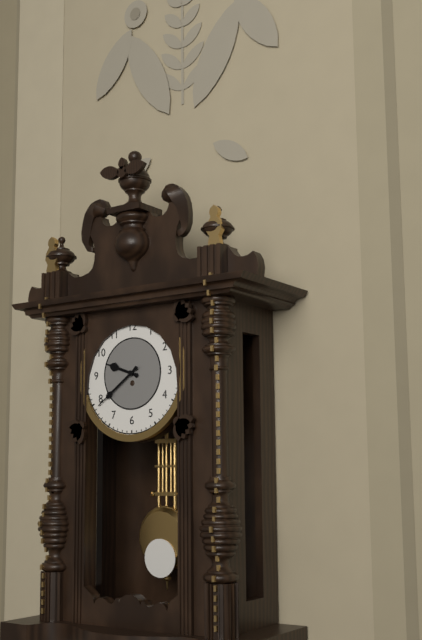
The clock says {"hour": 9, "minute": 39}
